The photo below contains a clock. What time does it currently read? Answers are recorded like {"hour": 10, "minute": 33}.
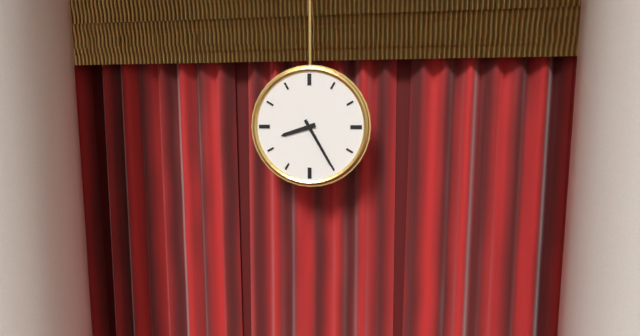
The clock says {"hour": 8, "minute": 25}
